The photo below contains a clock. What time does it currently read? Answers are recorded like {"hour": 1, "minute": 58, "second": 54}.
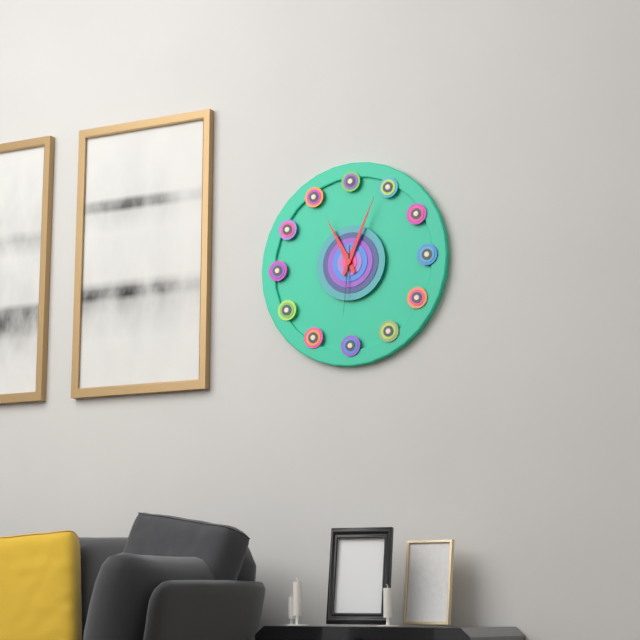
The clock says {"hour": 11, "minute": 4, "second": 31}
